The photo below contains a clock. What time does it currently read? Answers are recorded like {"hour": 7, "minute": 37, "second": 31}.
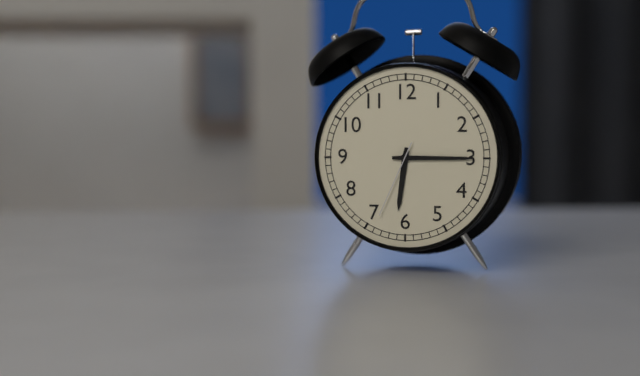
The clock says {"hour": 6, "minute": 15, "second": 34}
